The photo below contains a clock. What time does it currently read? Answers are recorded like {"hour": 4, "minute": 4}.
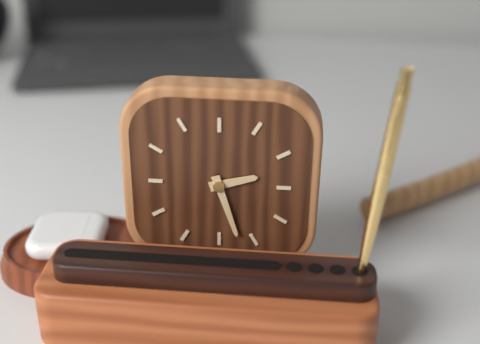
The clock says {"hour": 2, "minute": 27}
